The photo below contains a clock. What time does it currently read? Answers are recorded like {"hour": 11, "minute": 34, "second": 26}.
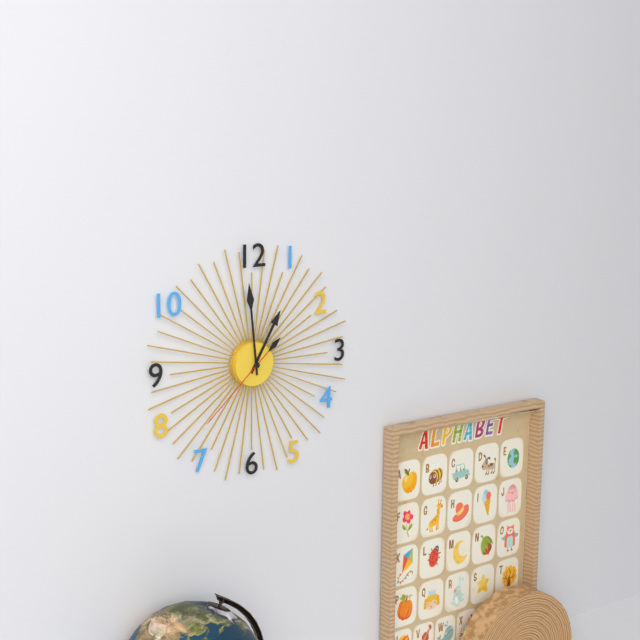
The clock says {"hour": 12, "minute": 59, "second": 38}
